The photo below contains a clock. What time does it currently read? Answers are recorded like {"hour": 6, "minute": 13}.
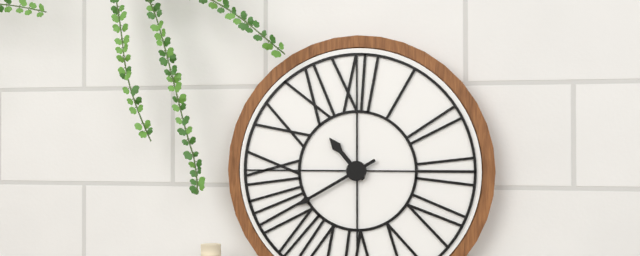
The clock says {"hour": 10, "minute": 40}
